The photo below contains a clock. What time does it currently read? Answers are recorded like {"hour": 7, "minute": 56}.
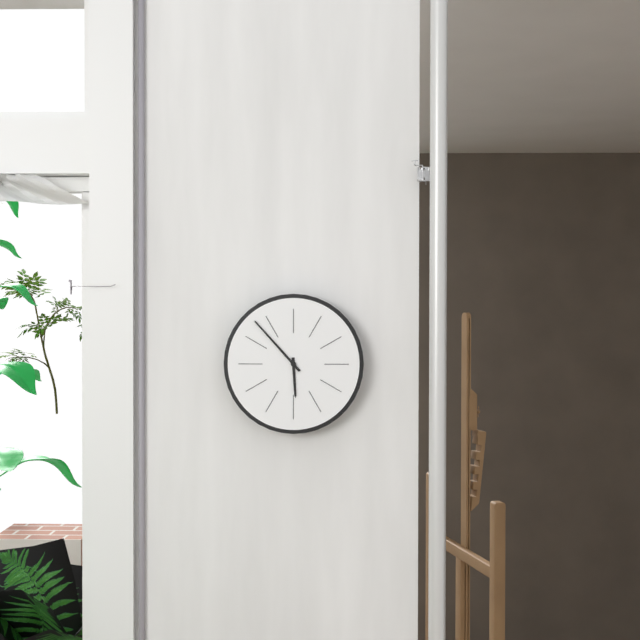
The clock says {"hour": 5, "minute": 53}
